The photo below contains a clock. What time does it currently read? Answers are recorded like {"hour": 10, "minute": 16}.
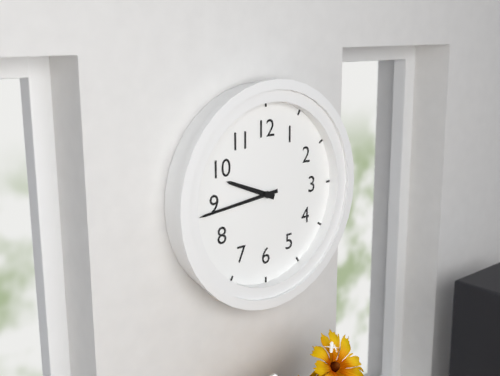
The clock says {"hour": 9, "minute": 44}
